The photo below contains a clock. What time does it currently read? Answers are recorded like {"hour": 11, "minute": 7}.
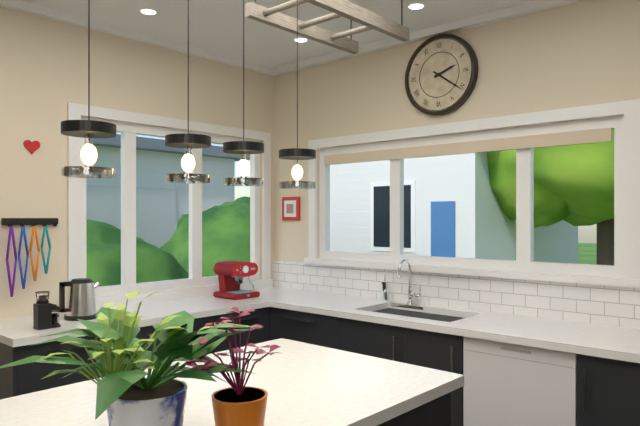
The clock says {"hour": 2, "minute": 21}
